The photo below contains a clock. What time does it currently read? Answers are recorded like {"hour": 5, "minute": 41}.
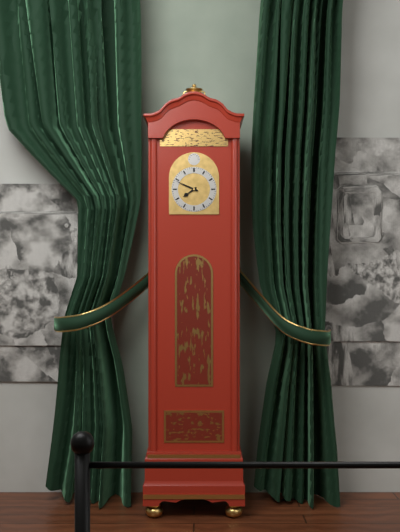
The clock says {"hour": 7, "minute": 49}
